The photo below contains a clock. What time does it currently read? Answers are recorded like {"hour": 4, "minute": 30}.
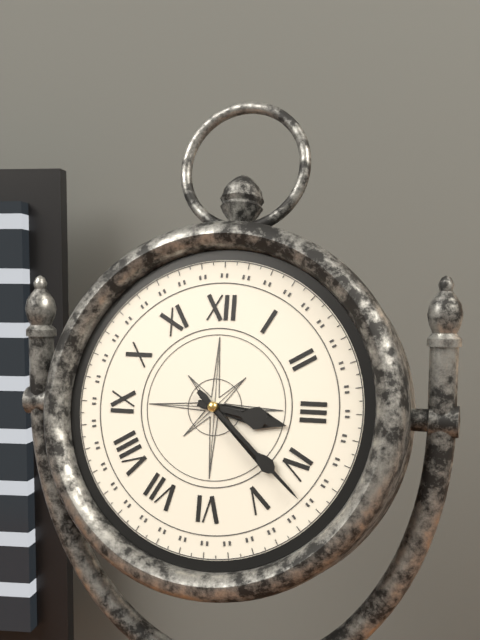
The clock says {"hour": 3, "minute": 22}
